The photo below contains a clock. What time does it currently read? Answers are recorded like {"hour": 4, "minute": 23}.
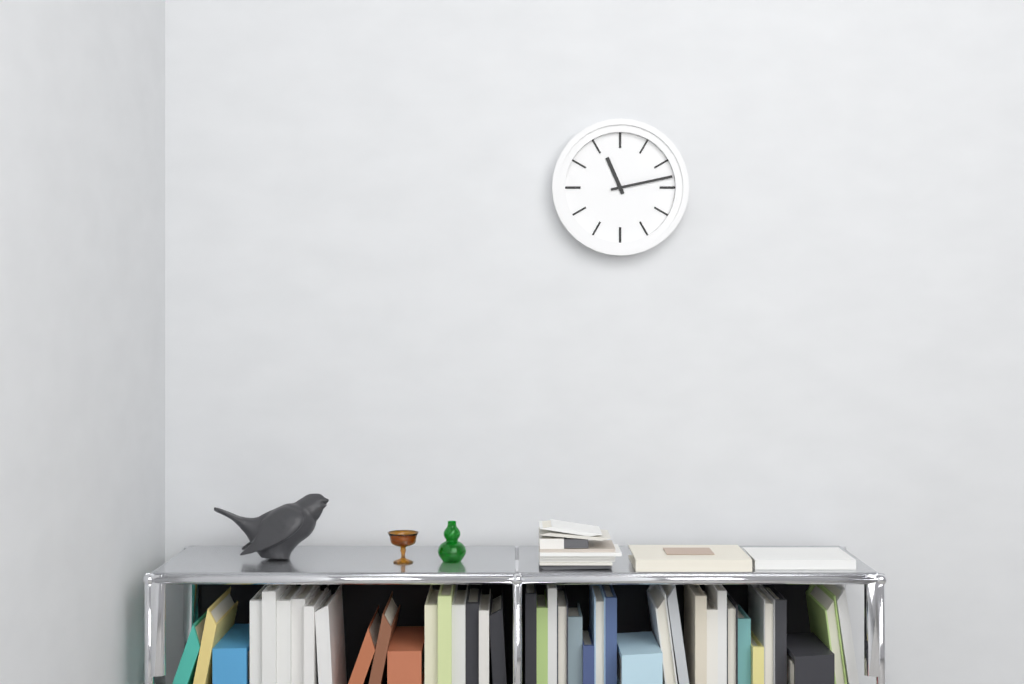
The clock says {"hour": 11, "minute": 13}
